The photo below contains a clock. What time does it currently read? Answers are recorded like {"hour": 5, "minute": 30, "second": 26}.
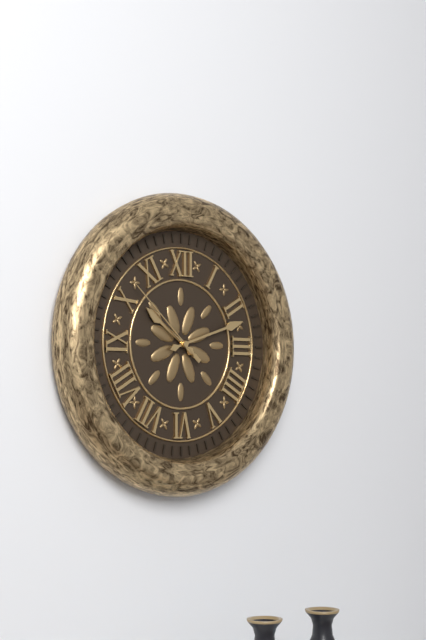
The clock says {"hour": 10, "minute": 12, "second": 52}
